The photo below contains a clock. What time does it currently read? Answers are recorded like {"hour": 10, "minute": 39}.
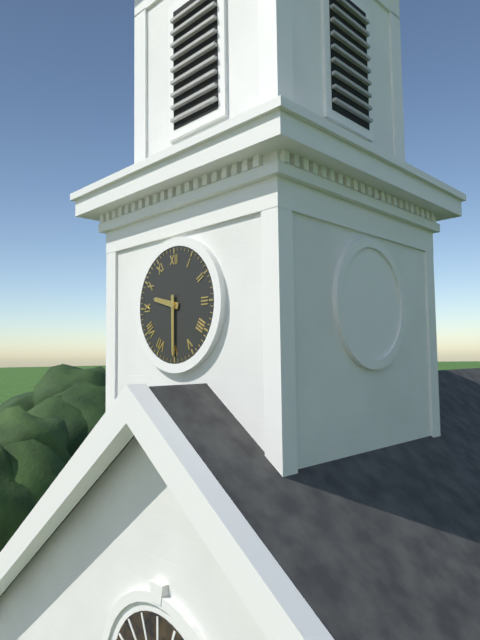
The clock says {"hour": 9, "minute": 30}
